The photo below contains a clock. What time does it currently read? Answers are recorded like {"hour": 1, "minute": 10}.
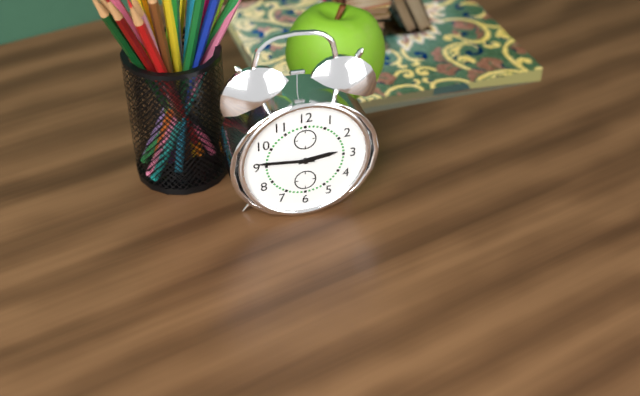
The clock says {"hour": 2, "minute": 46}
